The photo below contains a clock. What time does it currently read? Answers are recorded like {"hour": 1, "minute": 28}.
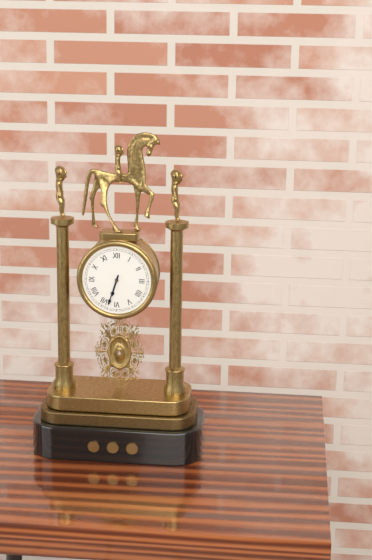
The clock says {"hour": 6, "minute": 33}
